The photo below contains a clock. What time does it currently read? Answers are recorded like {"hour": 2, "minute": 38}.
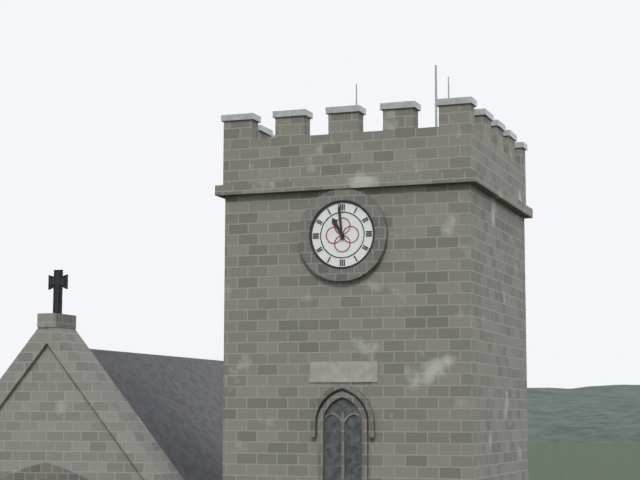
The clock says {"hour": 10, "minute": 59}
